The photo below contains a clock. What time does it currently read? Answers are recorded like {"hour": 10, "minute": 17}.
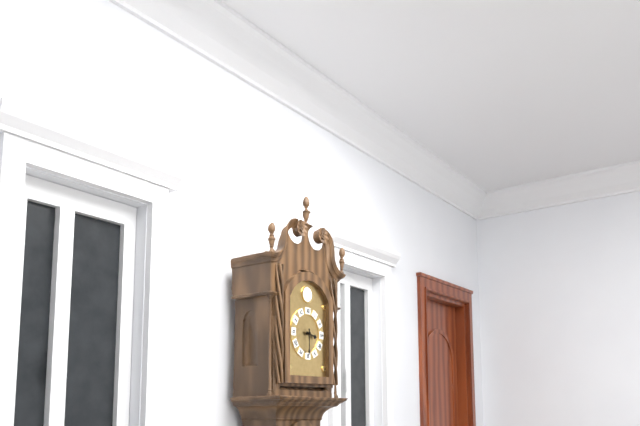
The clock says {"hour": 3, "minute": 30}
